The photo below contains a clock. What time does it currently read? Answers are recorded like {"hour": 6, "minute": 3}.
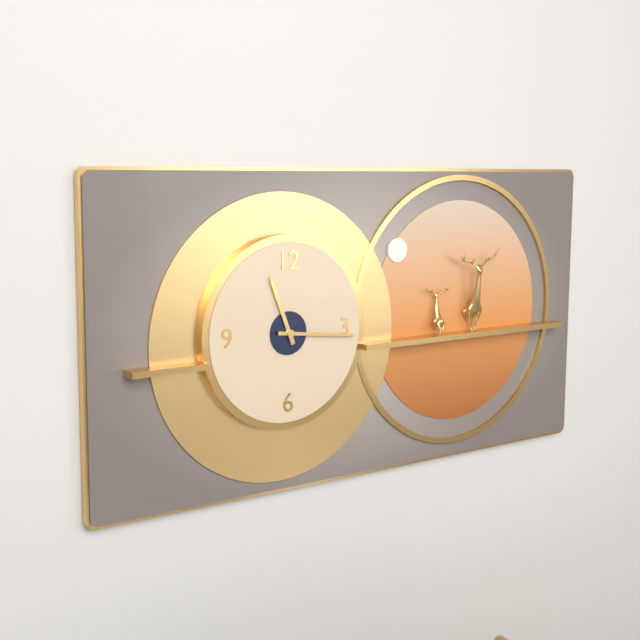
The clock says {"hour": 11, "minute": 16}
